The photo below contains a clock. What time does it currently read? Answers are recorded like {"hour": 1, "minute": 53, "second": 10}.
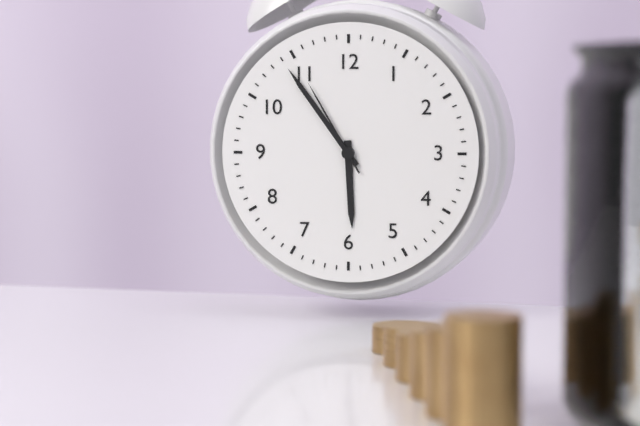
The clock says {"hour": 5, "minute": 54, "second": 55}
